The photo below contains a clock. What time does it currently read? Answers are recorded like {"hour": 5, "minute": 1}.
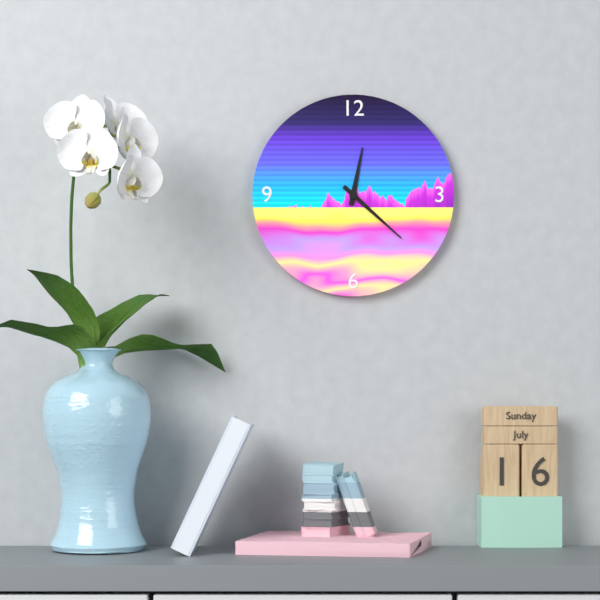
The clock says {"hour": 12, "minute": 22}
